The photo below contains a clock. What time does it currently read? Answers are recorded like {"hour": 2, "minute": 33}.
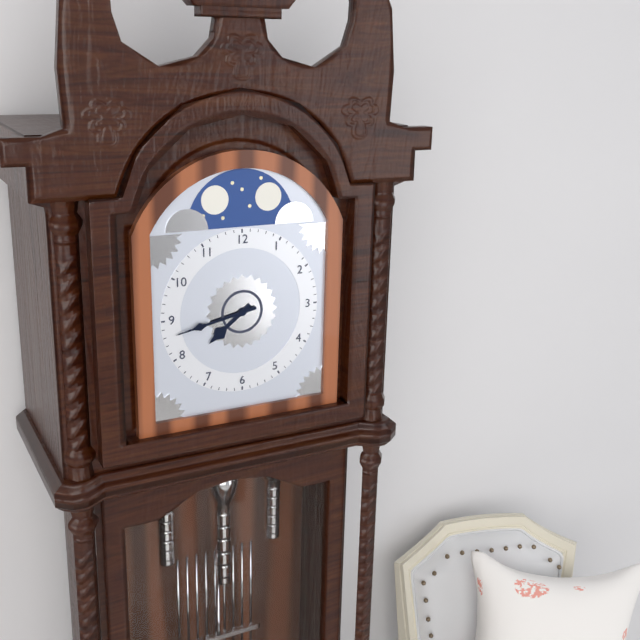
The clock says {"hour": 7, "minute": 43}
